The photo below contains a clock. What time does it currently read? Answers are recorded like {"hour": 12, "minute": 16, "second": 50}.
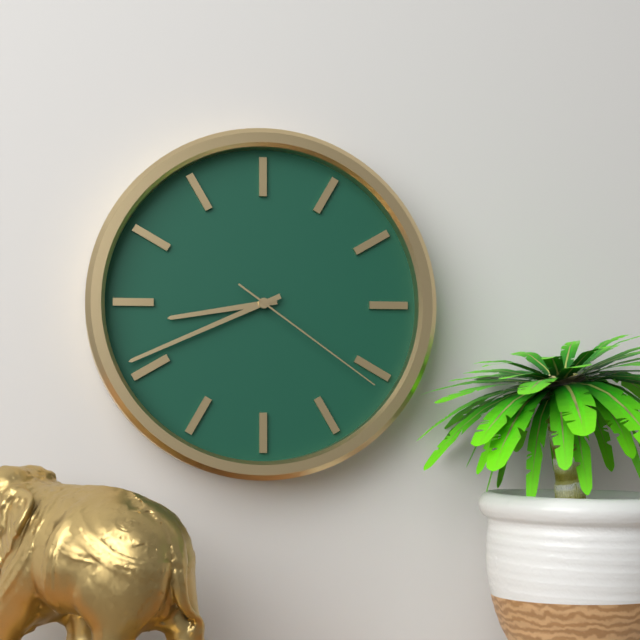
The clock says {"hour": 8, "minute": 41, "second": 21}
